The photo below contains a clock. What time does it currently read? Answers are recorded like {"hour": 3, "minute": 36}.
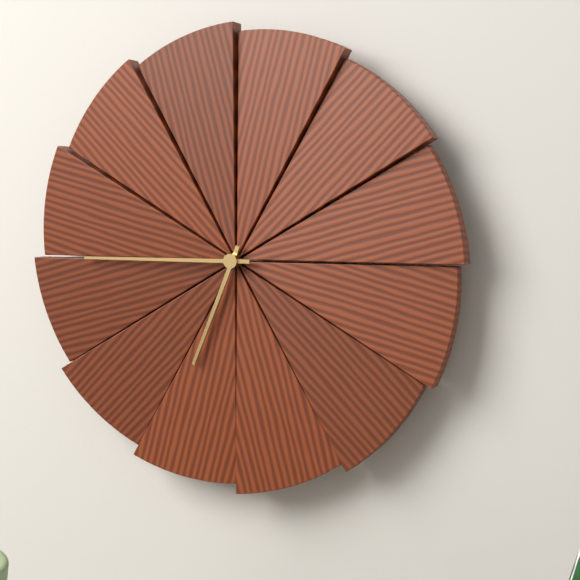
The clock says {"hour": 6, "minute": 45}
